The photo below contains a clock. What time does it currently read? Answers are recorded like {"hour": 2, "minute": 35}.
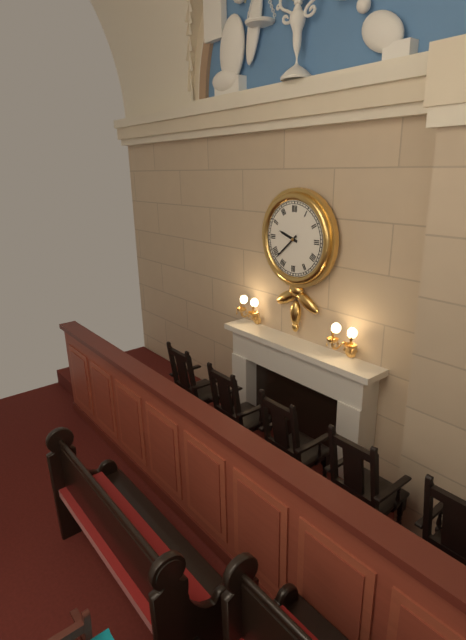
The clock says {"hour": 9, "minute": 38}
